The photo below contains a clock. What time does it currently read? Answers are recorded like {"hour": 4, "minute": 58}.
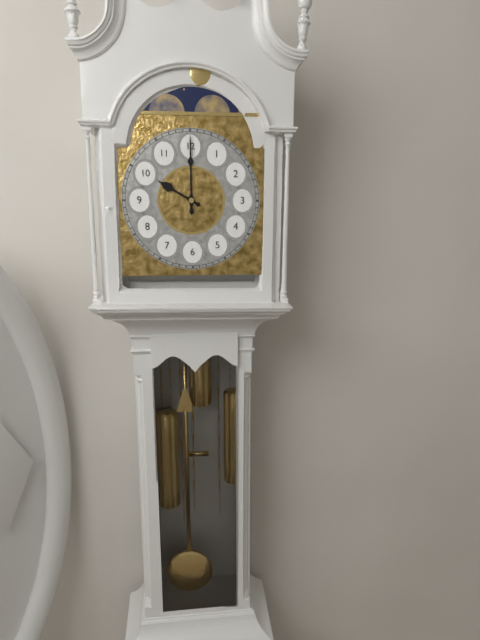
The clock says {"hour": 10, "minute": 0}
